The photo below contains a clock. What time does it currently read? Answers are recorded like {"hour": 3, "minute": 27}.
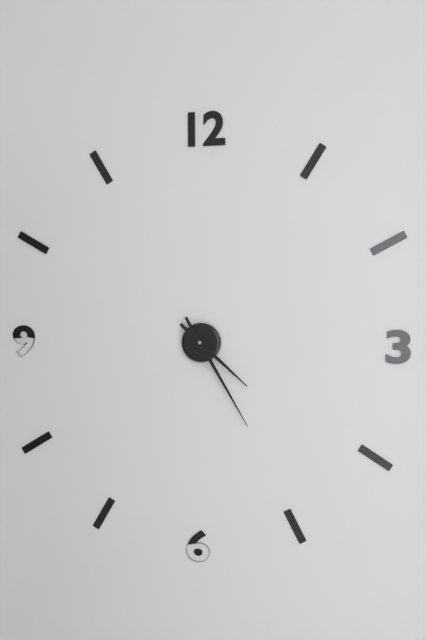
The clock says {"hour": 4, "minute": 25}
